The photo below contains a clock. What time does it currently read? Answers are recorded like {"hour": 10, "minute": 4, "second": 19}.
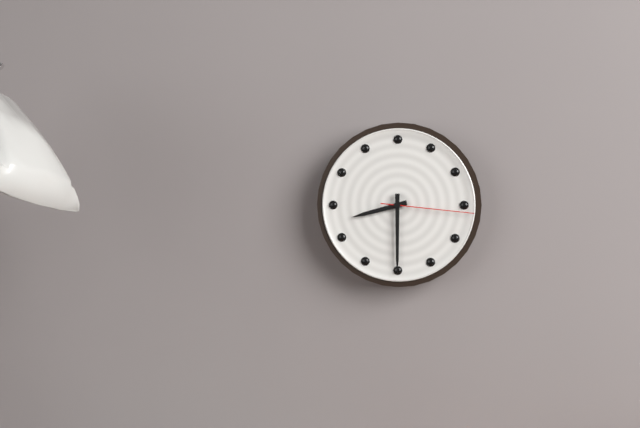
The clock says {"hour": 8, "minute": 30, "second": 16}
